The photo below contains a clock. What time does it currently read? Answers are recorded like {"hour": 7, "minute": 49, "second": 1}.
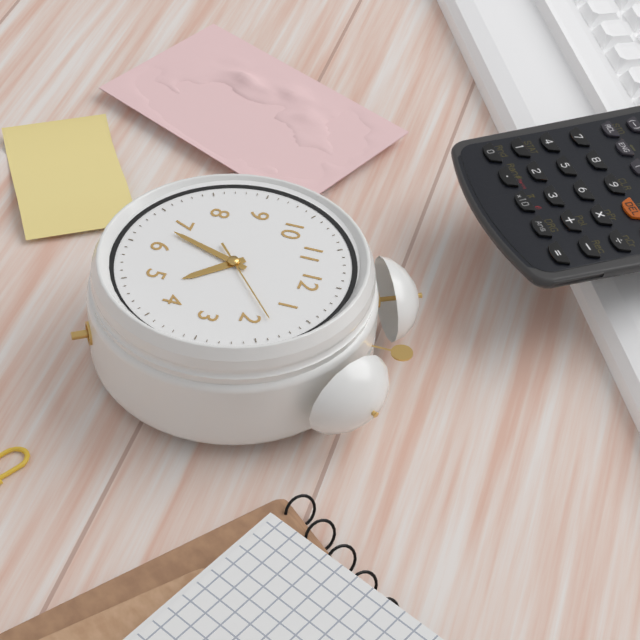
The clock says {"hour": 4, "minute": 33, "second": 8}
